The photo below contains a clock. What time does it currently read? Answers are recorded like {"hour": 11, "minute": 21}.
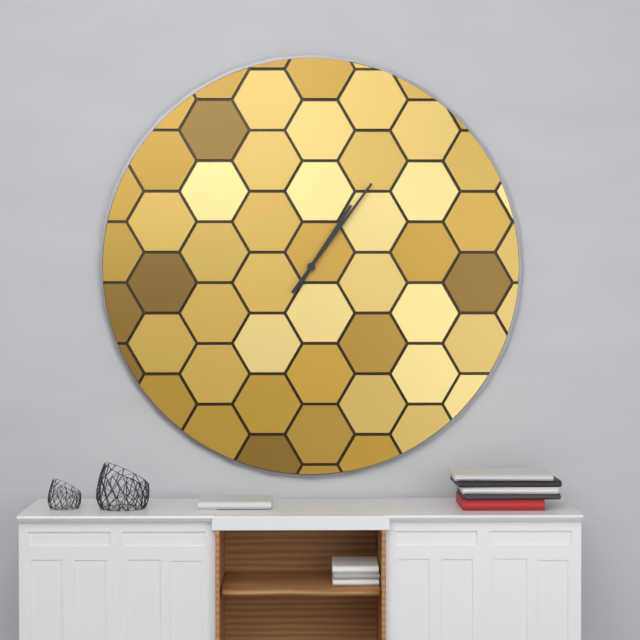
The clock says {"hour": 1, "minute": 6}
